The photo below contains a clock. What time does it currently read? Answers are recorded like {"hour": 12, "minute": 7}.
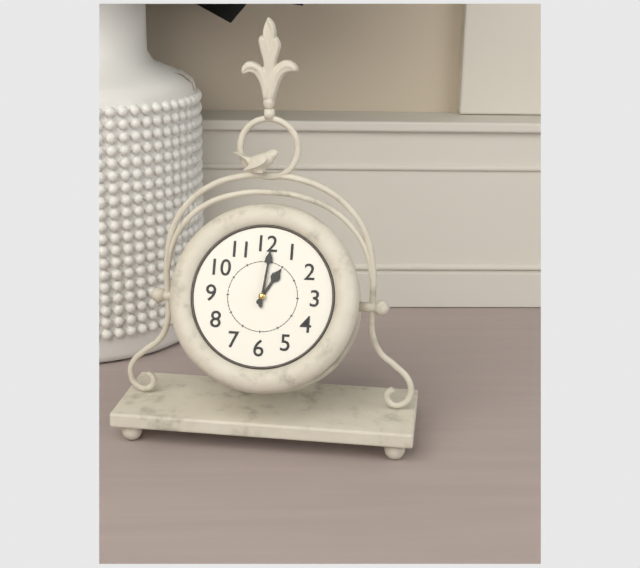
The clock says {"hour": 1, "minute": 1}
